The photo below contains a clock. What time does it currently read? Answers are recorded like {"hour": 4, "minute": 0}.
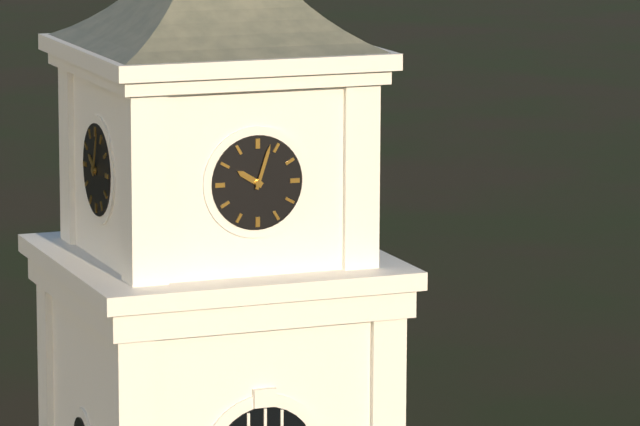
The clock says {"hour": 10, "minute": 3}
